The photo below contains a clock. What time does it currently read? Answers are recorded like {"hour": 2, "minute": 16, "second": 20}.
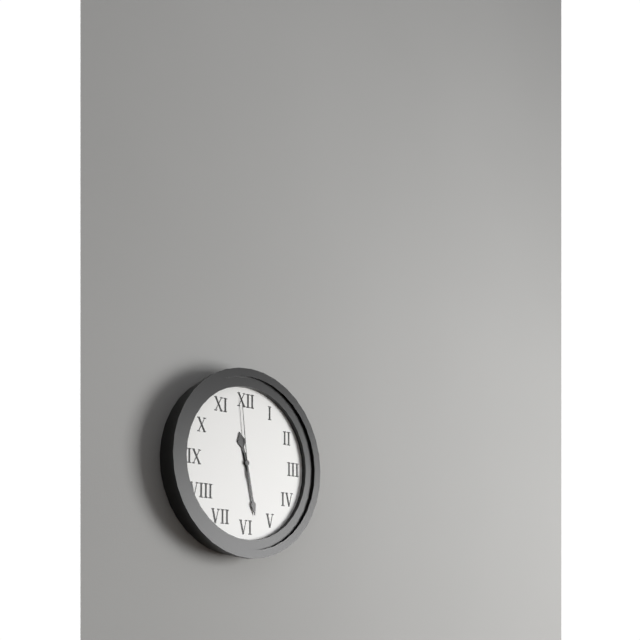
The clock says {"hour": 11, "minute": 28, "second": 59}
